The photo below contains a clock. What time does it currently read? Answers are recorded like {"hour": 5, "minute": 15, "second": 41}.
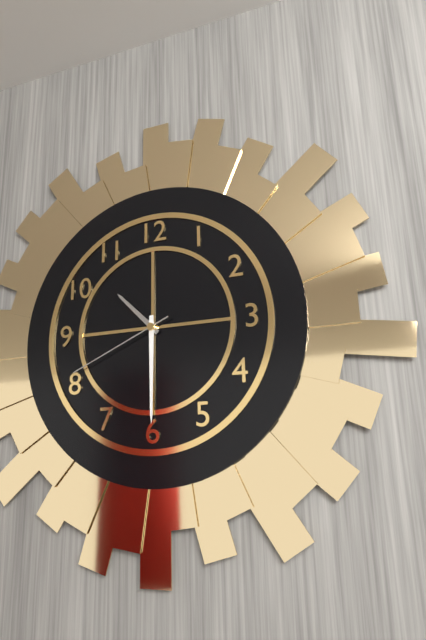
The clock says {"hour": 10, "minute": 30, "second": 41}
